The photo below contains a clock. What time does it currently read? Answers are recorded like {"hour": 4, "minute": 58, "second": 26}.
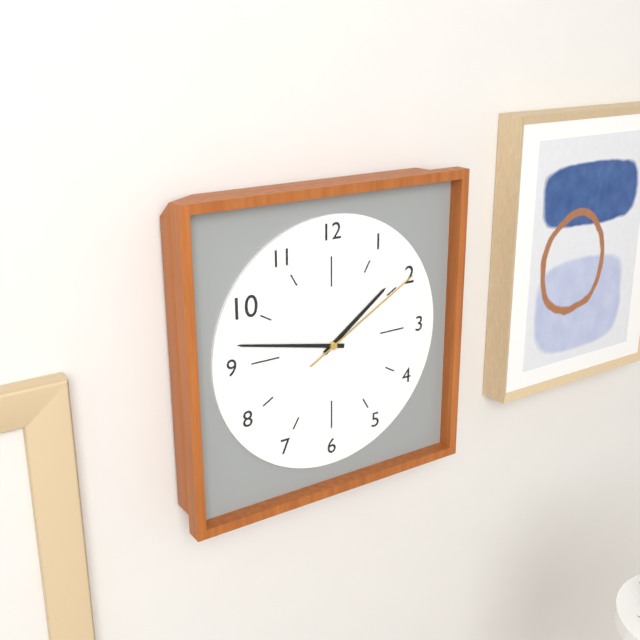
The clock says {"hour": 1, "minute": 47, "second": 10}
